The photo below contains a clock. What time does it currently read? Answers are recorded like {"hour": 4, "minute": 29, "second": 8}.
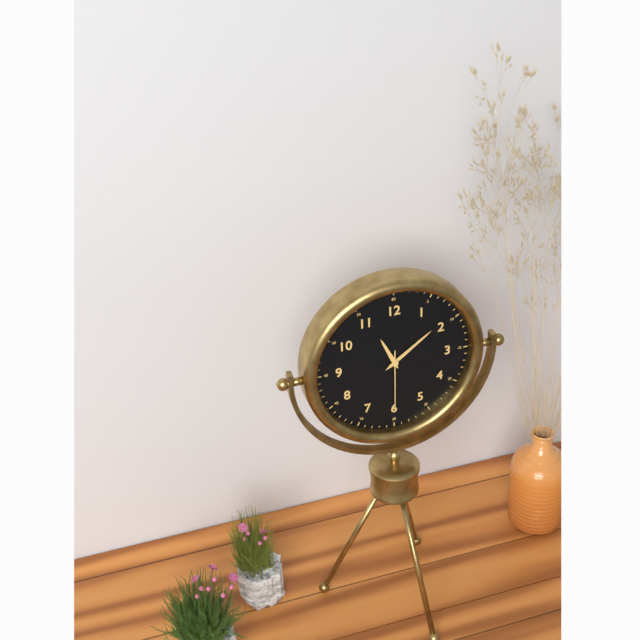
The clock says {"hour": 11, "minute": 9, "second": 30}
